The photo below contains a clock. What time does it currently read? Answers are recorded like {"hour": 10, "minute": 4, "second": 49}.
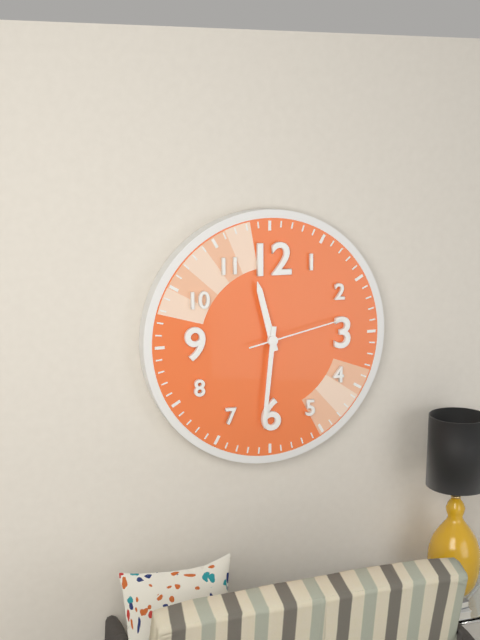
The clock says {"hour": 11, "minute": 31, "second": 13}
